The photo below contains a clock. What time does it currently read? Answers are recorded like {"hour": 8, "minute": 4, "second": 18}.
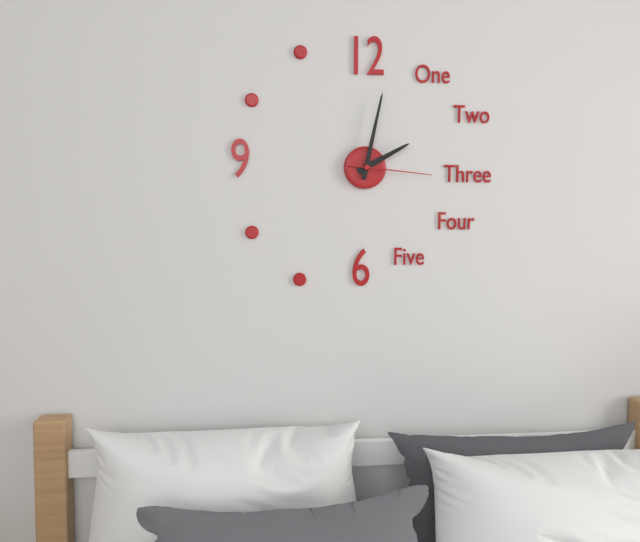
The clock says {"hour": 2, "minute": 2, "second": 16}
